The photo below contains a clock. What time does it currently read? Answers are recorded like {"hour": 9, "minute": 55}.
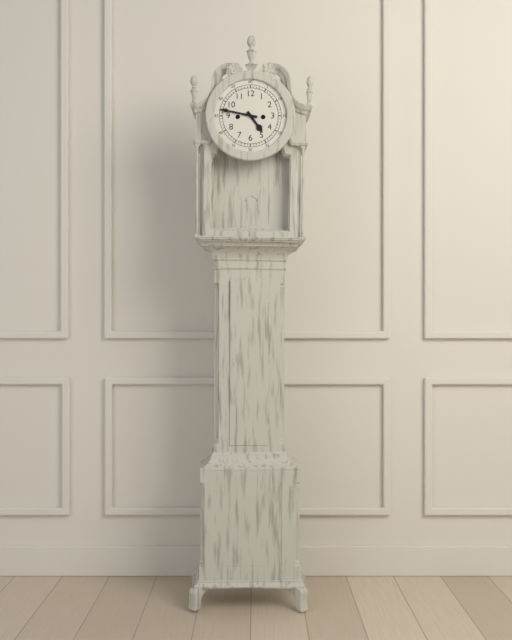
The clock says {"hour": 4, "minute": 47}
